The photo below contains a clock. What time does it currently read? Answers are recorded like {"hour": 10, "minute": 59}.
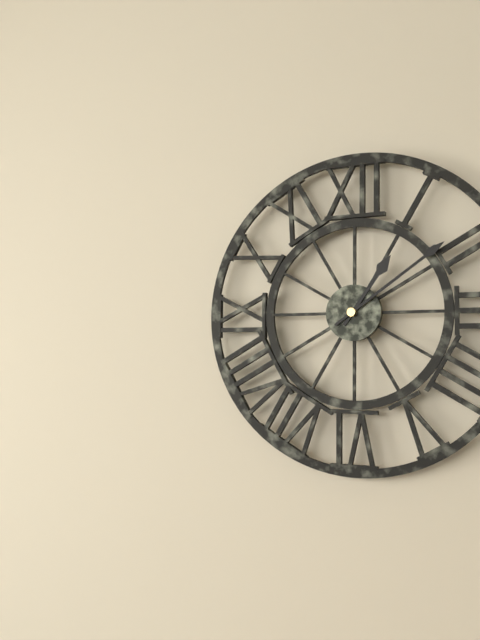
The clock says {"hour": 1, "minute": 9}
